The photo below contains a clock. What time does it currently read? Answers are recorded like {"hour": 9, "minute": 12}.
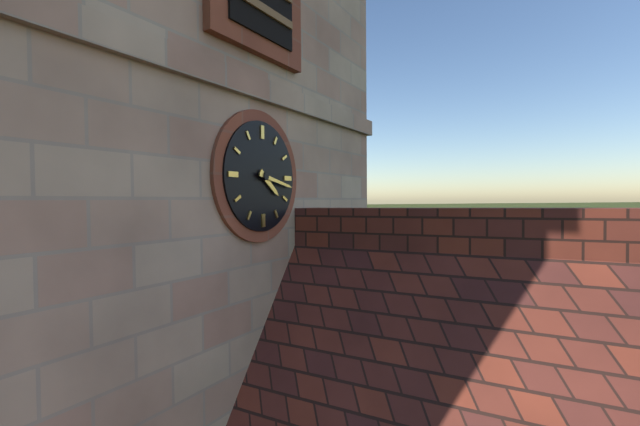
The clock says {"hour": 4, "minute": 17}
